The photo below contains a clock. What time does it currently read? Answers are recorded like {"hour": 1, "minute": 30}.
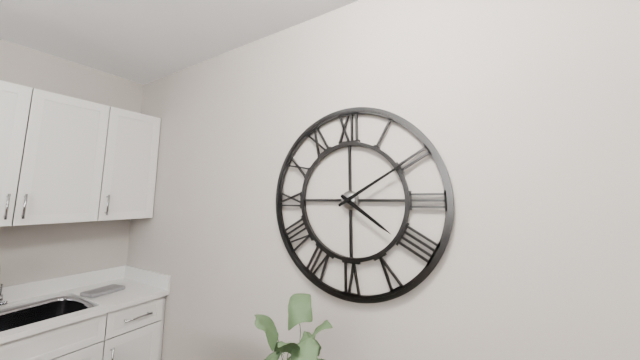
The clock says {"hour": 4, "minute": 10}
